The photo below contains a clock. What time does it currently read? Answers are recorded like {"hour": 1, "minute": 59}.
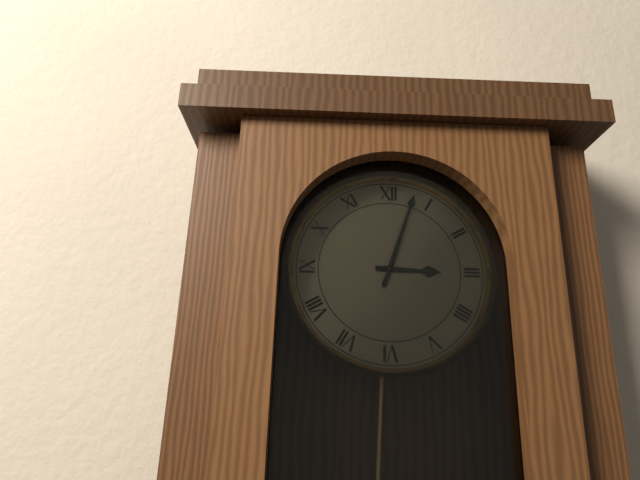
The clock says {"hour": 3, "minute": 3}
